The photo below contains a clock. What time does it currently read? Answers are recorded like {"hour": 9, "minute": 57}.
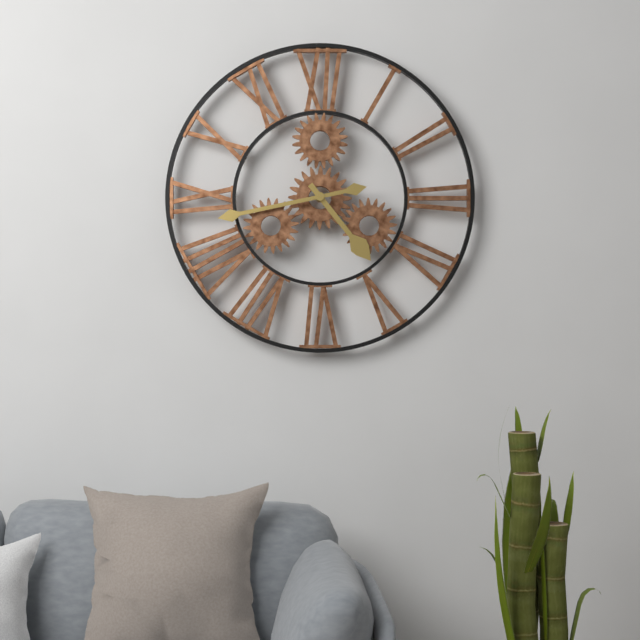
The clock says {"hour": 4, "minute": 43}
